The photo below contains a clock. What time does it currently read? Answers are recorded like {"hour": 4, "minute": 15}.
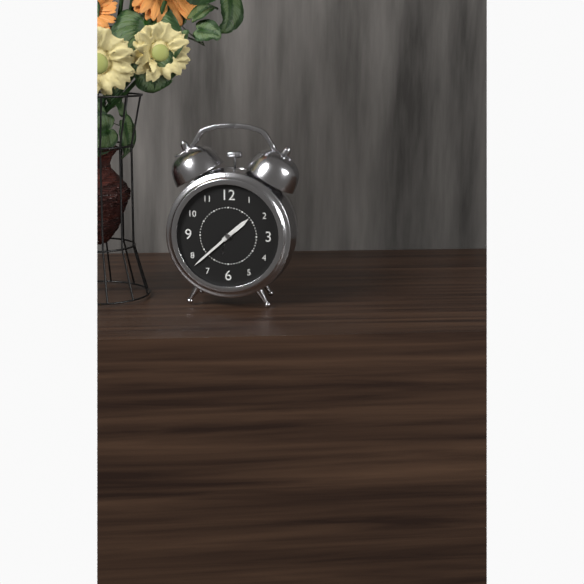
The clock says {"hour": 1, "minute": 38}
